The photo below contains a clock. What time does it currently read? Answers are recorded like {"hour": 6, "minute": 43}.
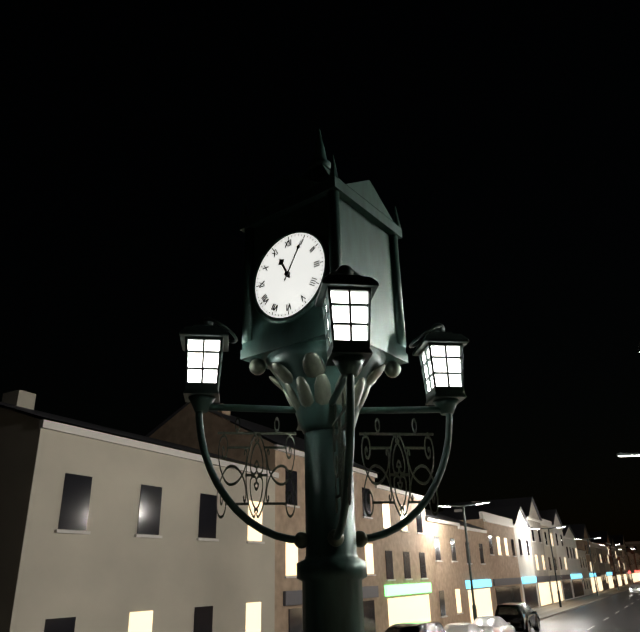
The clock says {"hour": 11, "minute": 5}
